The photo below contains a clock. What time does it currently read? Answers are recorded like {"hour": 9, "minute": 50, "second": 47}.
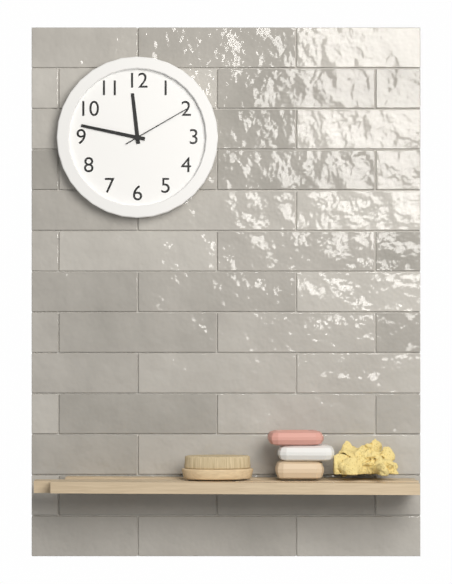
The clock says {"hour": 11, "minute": 47, "second": 10}
